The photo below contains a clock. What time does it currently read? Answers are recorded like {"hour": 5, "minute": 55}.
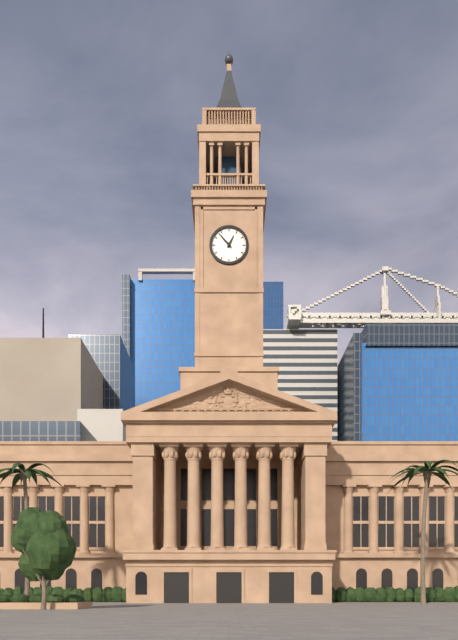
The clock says {"hour": 12, "minute": 53}
